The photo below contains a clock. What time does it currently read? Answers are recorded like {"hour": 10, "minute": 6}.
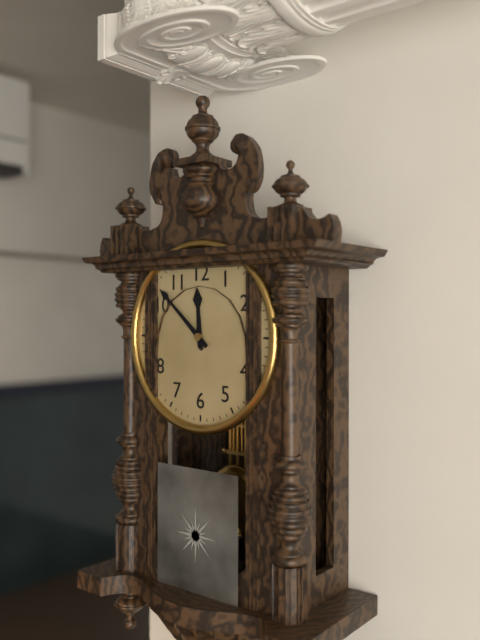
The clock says {"hour": 11, "minute": 52}
